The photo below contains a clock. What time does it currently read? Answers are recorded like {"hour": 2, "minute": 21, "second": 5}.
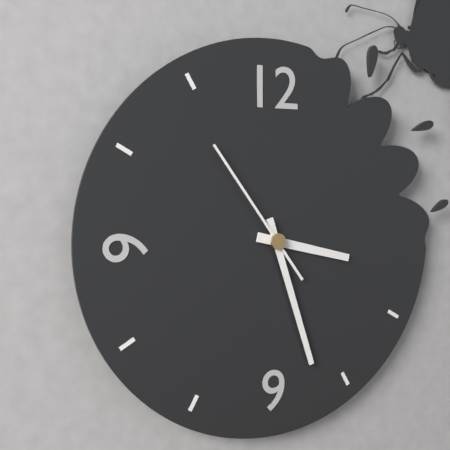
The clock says {"hour": 3, "minute": 27, "second": 54}
